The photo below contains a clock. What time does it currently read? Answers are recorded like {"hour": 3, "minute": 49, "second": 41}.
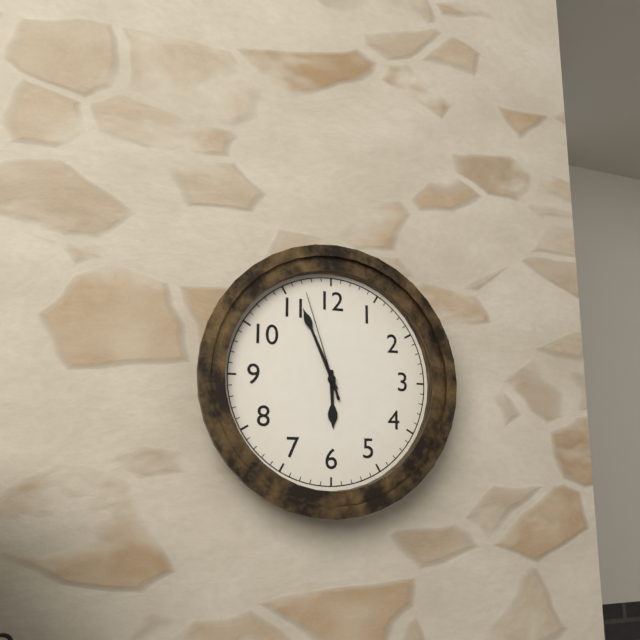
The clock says {"hour": 5, "minute": 56, "second": 57}
